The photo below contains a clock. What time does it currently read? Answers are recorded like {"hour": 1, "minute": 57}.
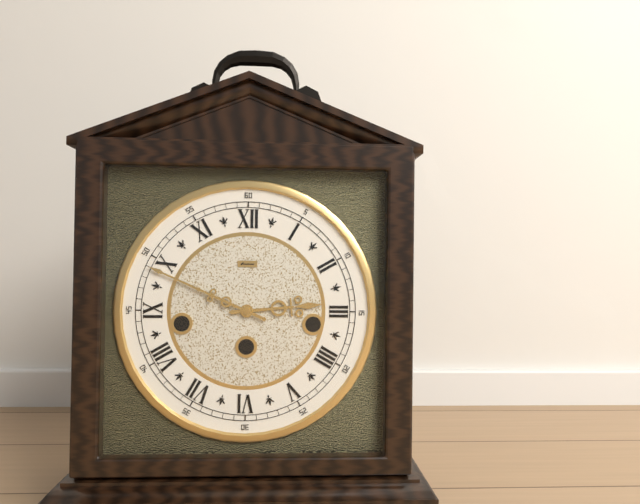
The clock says {"hour": 2, "minute": 49}
